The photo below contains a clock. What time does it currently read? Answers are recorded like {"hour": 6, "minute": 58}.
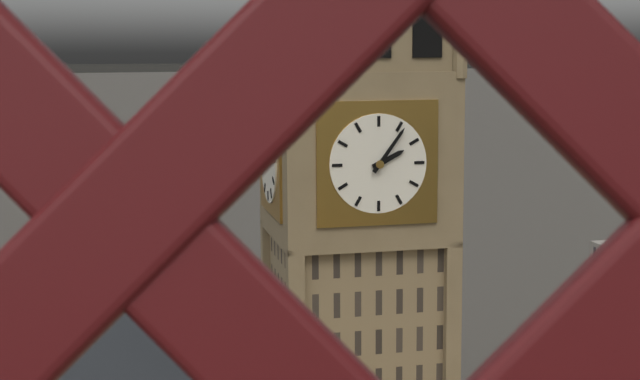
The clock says {"hour": 2, "minute": 6}
